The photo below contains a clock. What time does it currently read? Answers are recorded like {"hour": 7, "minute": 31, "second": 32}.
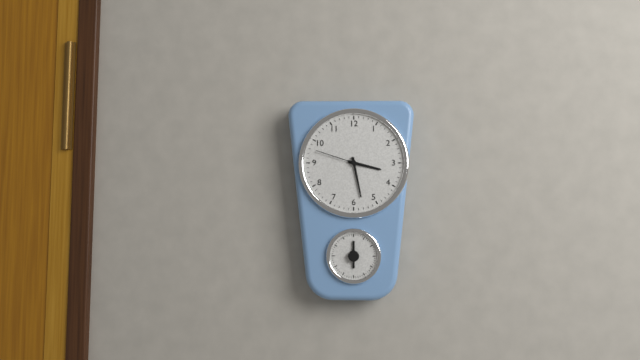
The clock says {"hour": 3, "minute": 28, "second": 48}
